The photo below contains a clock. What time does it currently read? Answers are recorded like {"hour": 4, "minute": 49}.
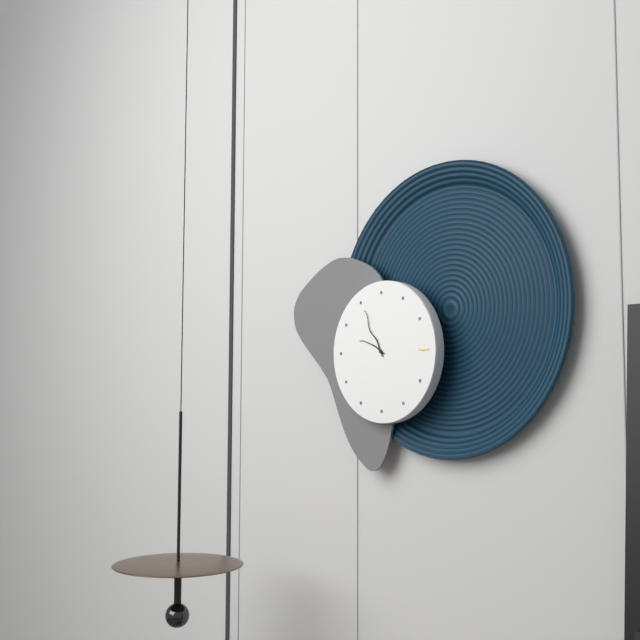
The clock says {"hour": 9, "minute": 55}
